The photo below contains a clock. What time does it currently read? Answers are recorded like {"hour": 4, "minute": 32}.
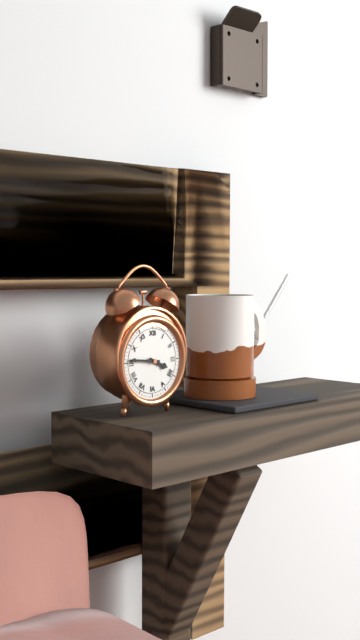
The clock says {"hour": 3, "minute": 46}
